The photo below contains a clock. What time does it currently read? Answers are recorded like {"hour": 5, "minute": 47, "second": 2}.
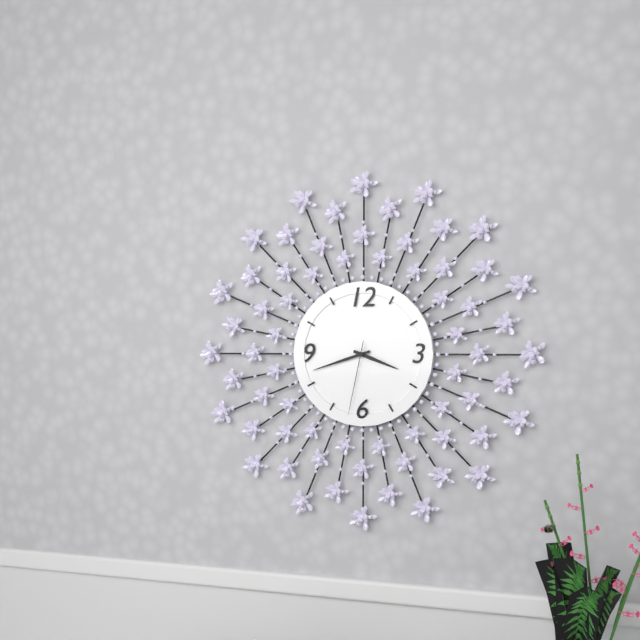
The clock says {"hour": 3, "minute": 42, "second": 32}
